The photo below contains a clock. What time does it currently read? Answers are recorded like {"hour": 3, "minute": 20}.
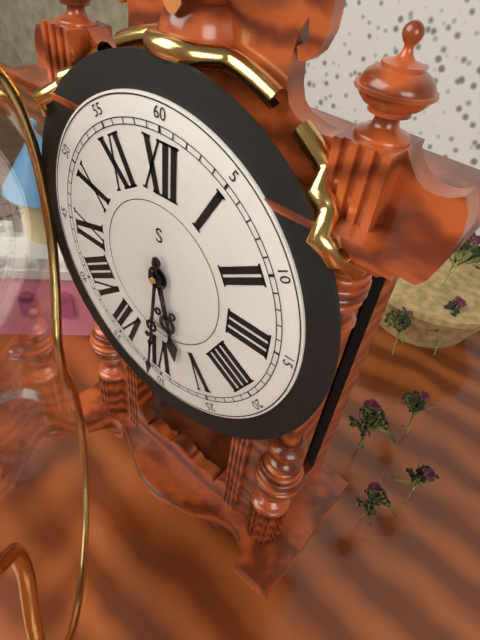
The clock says {"hour": 5, "minute": 31}
